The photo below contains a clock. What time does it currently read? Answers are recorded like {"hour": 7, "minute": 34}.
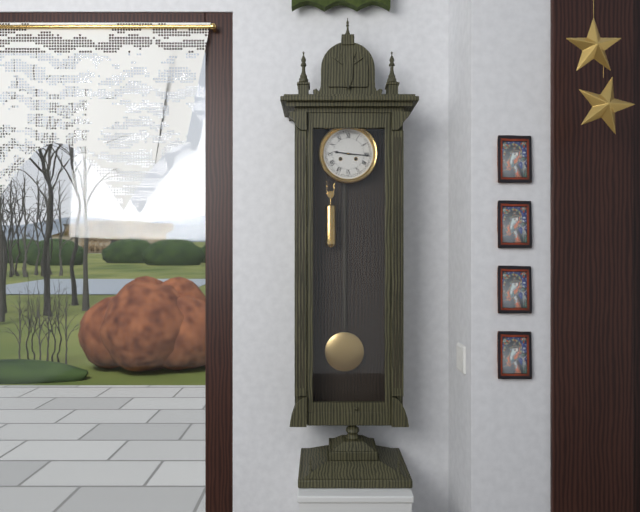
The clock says {"hour": 9, "minute": 16}
